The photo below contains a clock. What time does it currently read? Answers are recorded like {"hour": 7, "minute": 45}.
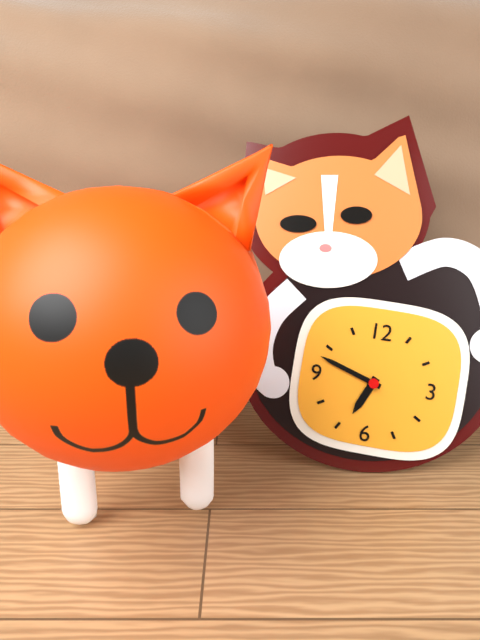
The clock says {"hour": 6, "minute": 48}
